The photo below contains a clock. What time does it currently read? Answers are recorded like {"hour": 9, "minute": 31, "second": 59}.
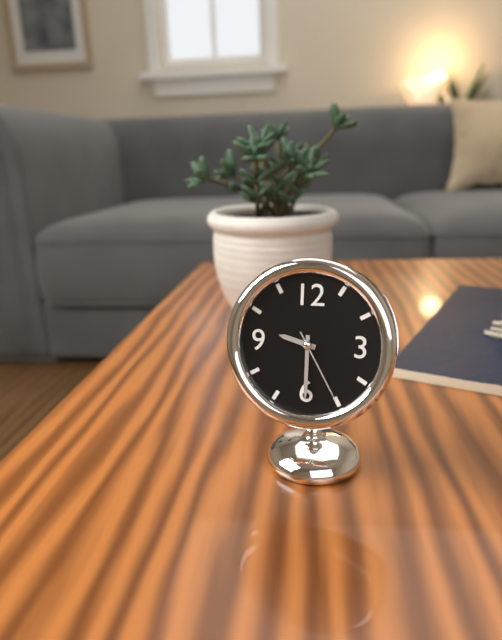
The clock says {"hour": 9, "minute": 30, "second": 25}
